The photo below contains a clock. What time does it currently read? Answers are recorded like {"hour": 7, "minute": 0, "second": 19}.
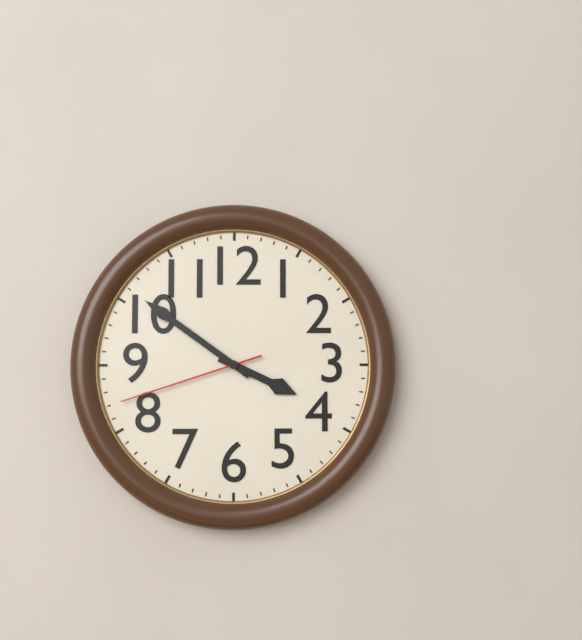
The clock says {"hour": 3, "minute": 51, "second": 42}
